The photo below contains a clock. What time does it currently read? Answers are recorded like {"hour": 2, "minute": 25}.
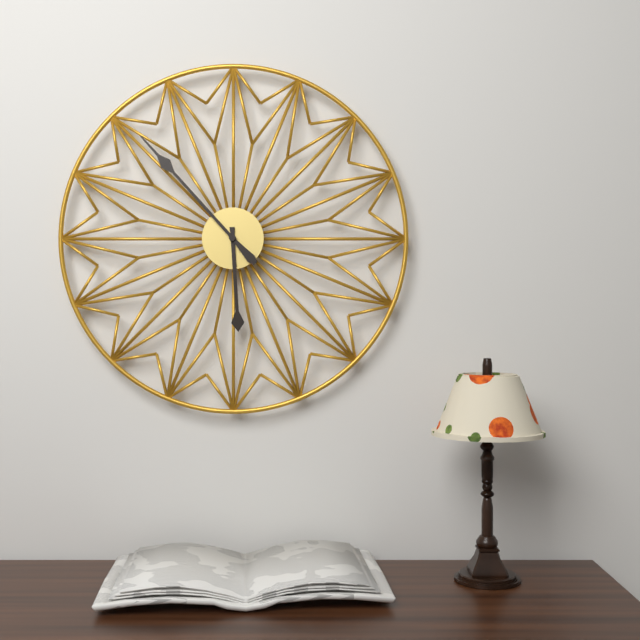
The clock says {"hour": 5, "minute": 53}
